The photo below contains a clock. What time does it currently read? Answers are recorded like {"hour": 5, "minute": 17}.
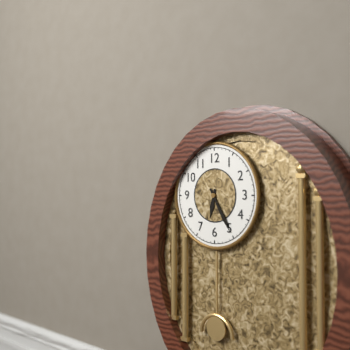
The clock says {"hour": 6, "minute": 25}
